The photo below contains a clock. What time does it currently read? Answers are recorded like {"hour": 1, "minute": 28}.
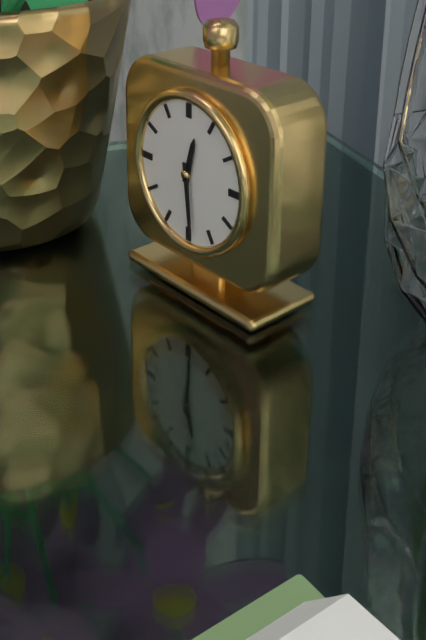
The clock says {"hour": 12, "minute": 29}
